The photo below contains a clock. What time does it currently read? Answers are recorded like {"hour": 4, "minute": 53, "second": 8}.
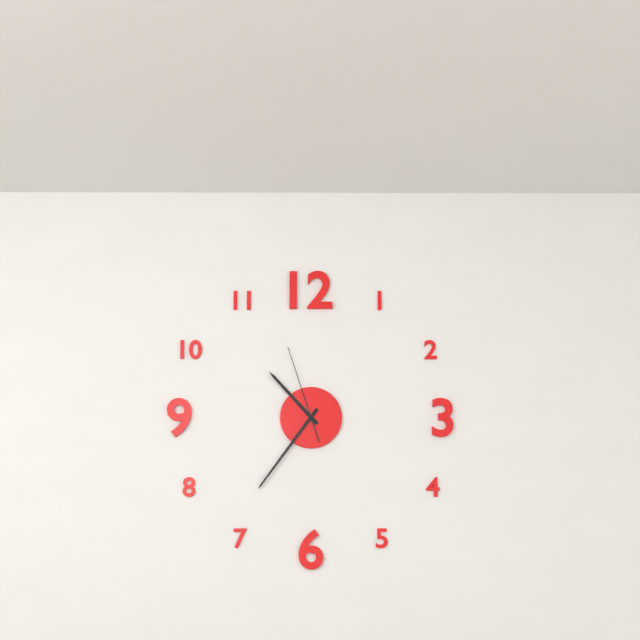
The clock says {"hour": 10, "minute": 36, "second": 57}
